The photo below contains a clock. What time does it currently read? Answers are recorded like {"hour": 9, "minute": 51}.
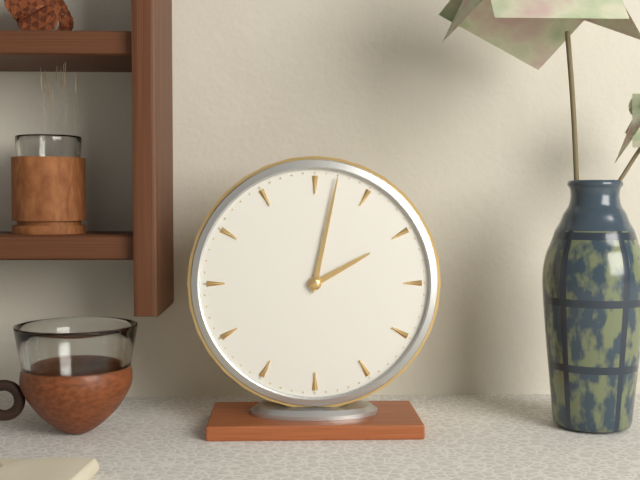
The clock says {"hour": 2, "minute": 2}
